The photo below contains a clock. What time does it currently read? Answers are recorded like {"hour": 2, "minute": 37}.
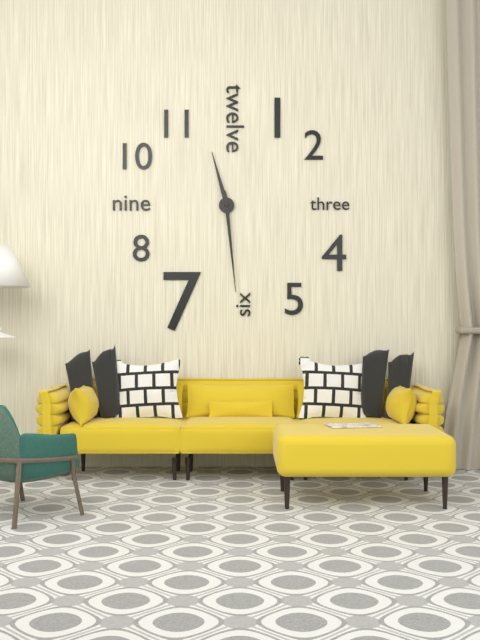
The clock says {"hour": 11, "minute": 29}
